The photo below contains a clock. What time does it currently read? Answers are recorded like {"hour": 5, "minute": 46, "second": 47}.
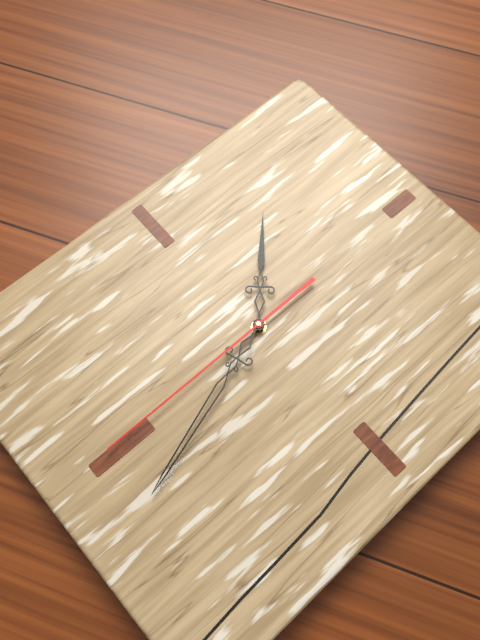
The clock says {"hour": 10, "minute": 27, "second": 30}
